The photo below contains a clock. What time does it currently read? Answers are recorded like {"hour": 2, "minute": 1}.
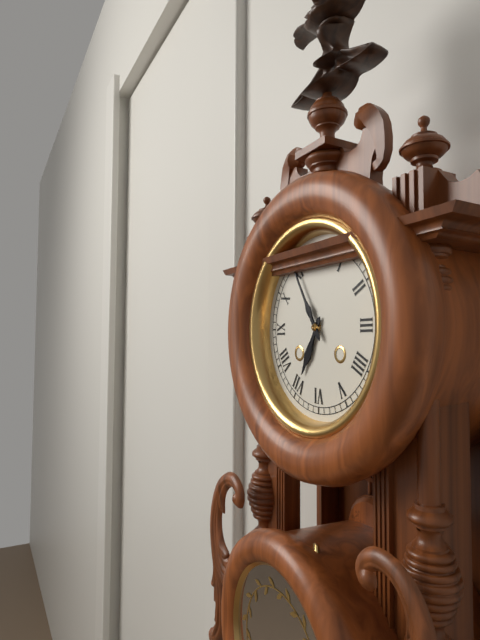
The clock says {"hour": 6, "minute": 55}
